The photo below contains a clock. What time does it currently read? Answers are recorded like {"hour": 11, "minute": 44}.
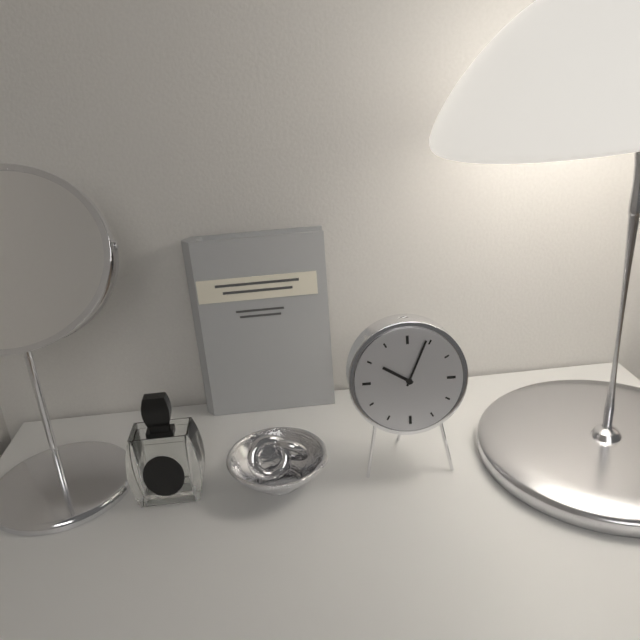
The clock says {"hour": 10, "minute": 4}
